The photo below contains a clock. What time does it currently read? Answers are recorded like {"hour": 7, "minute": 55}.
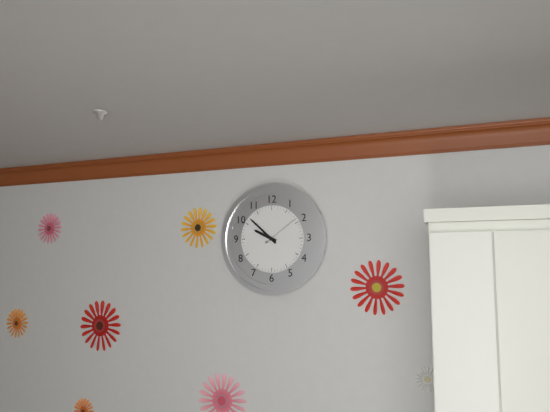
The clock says {"hour": 9, "minute": 52}
